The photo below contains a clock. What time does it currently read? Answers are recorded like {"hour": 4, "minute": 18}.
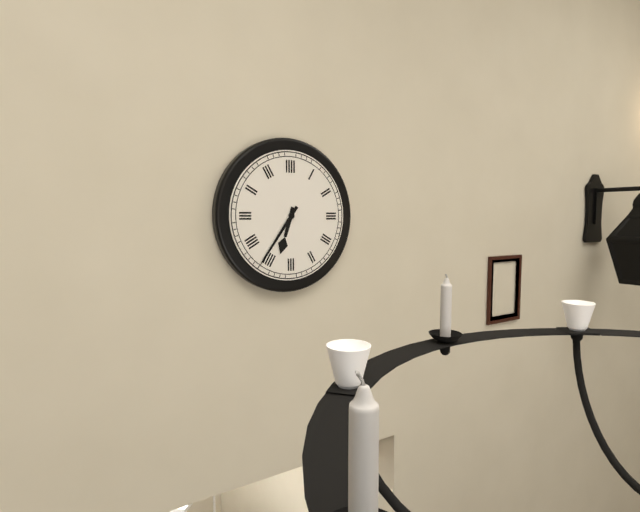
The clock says {"hour": 6, "minute": 36}
